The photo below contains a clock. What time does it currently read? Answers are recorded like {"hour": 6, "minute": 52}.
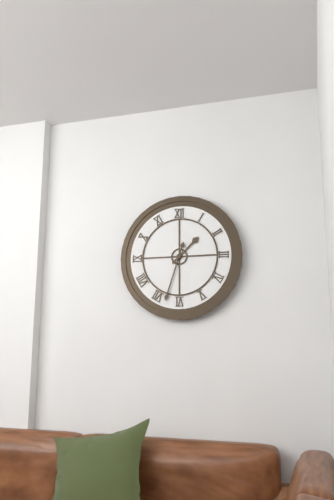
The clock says {"hour": 1, "minute": 33}
